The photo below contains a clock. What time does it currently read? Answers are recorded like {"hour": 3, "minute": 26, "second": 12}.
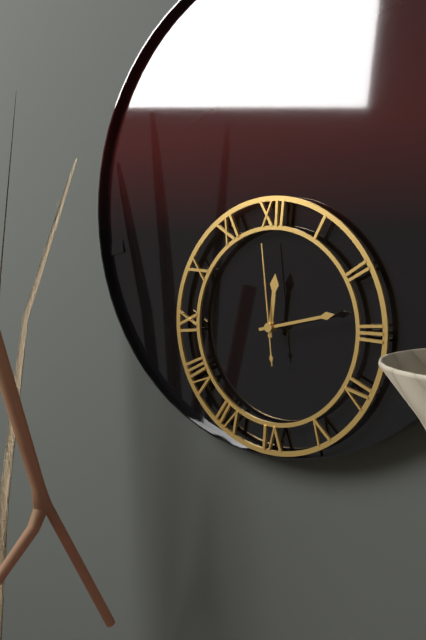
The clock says {"hour": 12, "minute": 13, "second": 59}
